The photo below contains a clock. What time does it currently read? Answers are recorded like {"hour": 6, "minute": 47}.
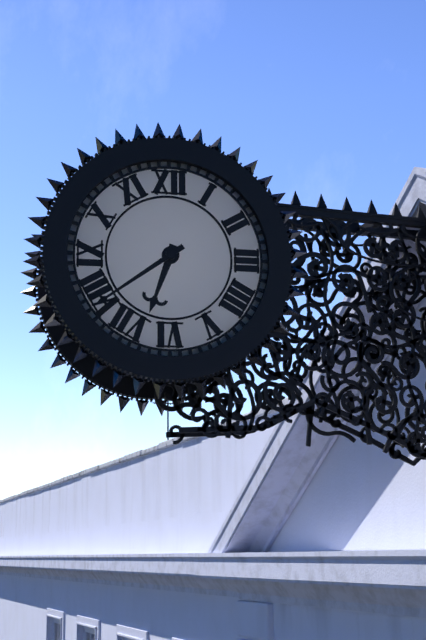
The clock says {"hour": 6, "minute": 39}
